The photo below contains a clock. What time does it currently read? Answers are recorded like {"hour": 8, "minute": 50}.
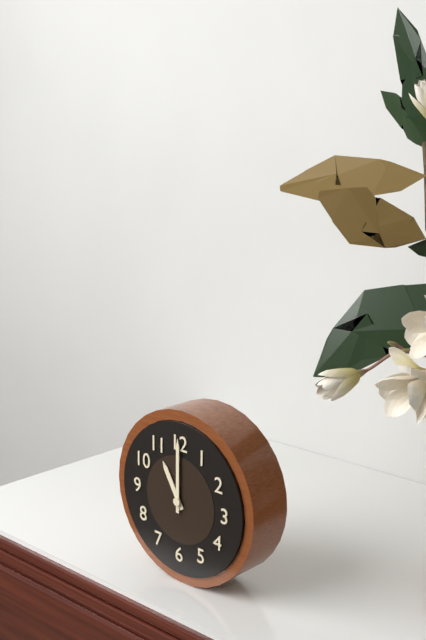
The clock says {"hour": 11, "minute": 0}
